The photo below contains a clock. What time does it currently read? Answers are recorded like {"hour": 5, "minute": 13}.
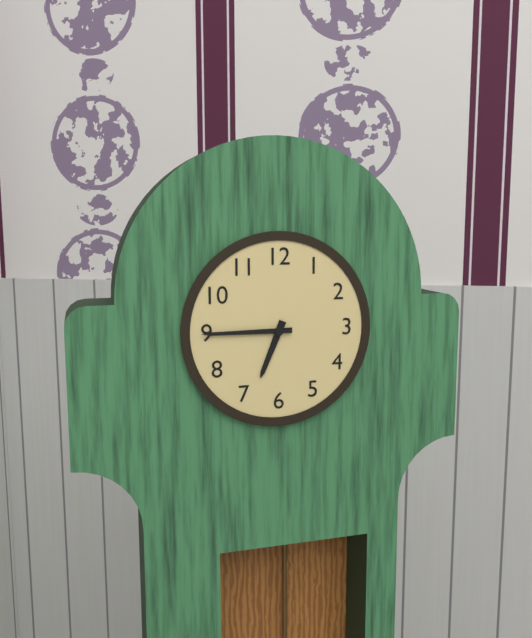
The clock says {"hour": 6, "minute": 45}
